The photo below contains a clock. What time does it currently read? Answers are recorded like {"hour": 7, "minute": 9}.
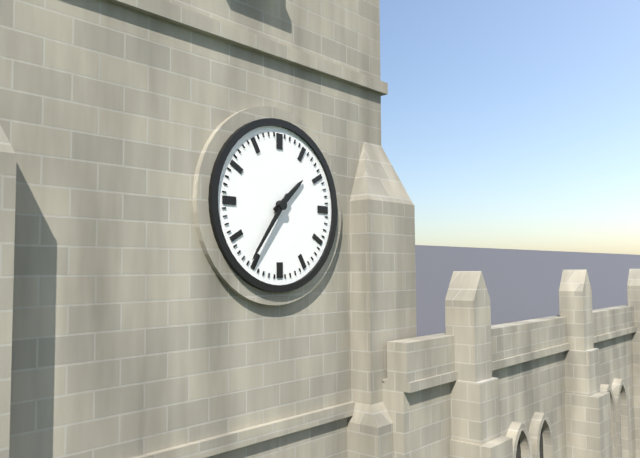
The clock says {"hour": 1, "minute": 36}
